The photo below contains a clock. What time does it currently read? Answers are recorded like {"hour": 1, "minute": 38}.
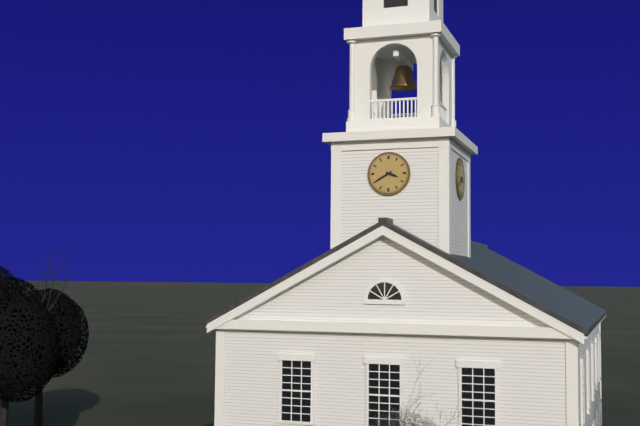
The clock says {"hour": 3, "minute": 40}
